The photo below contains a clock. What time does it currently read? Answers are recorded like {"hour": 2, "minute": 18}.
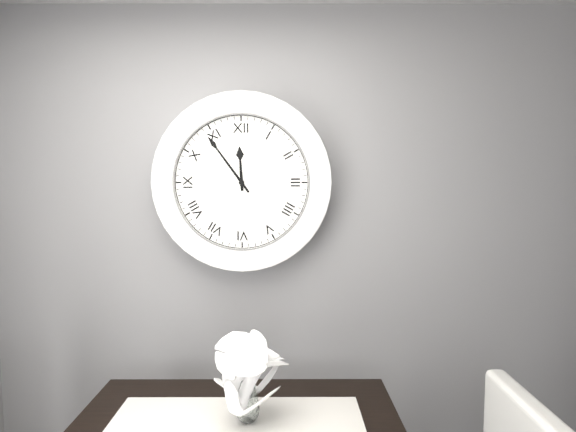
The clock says {"hour": 11, "minute": 54}
